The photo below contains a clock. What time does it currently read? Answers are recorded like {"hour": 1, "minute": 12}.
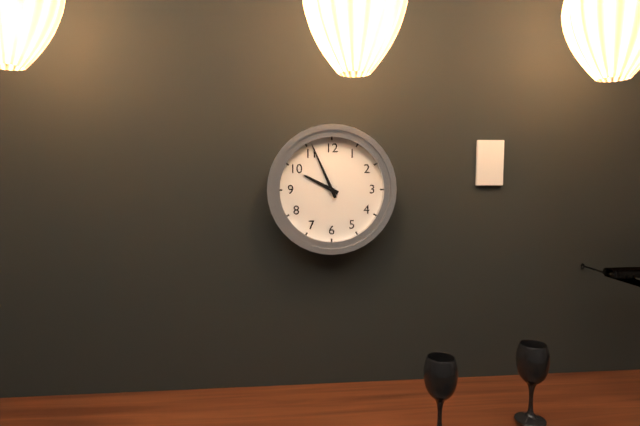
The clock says {"hour": 9, "minute": 56}
